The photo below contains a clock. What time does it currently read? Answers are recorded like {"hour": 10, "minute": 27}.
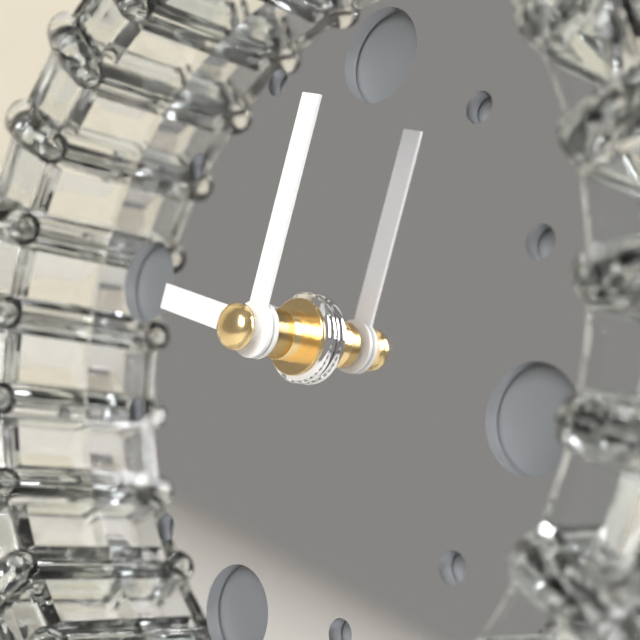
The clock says {"hour": 9, "minute": 0}
